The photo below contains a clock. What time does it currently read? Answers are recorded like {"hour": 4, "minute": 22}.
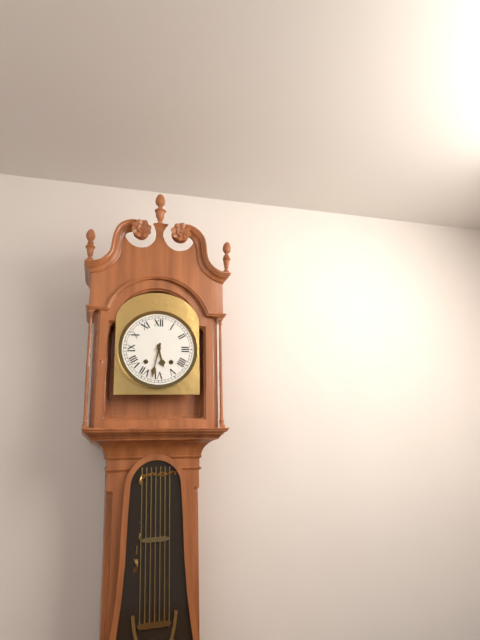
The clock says {"hour": 5, "minute": 32}
